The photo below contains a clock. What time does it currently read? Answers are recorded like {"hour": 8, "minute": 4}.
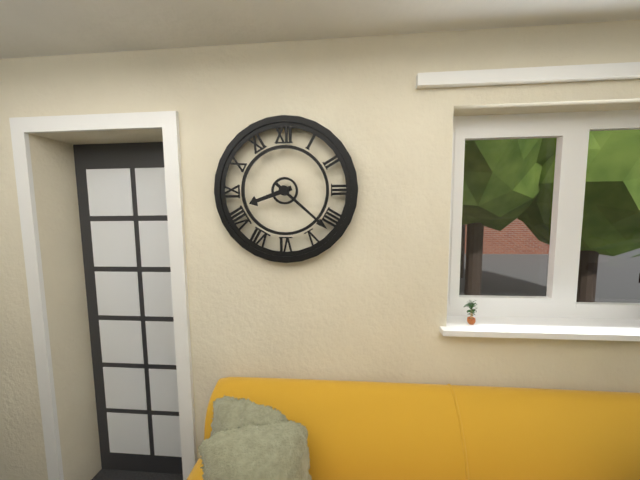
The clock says {"hour": 8, "minute": 22}
